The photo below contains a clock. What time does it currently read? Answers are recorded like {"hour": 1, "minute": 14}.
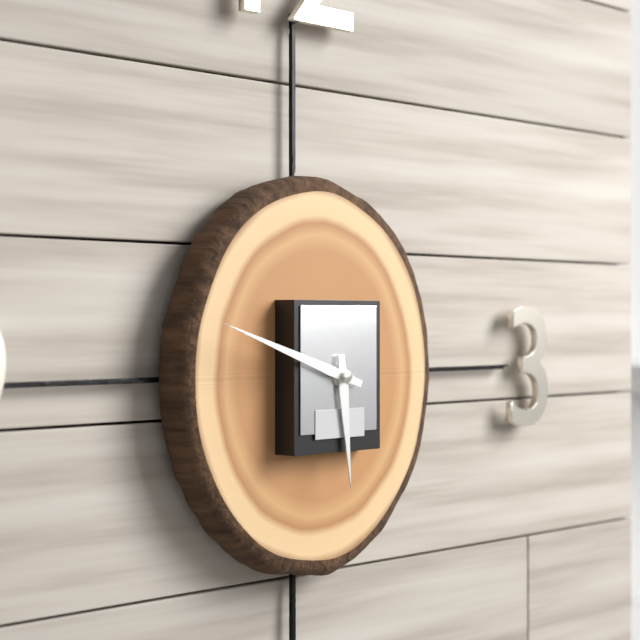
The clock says {"hour": 5, "minute": 48}
